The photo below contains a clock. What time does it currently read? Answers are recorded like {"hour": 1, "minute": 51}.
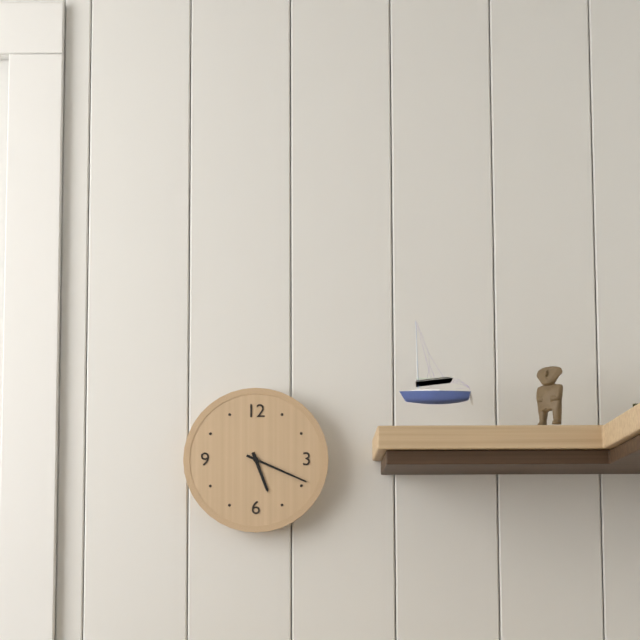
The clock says {"hour": 5, "minute": 19}
